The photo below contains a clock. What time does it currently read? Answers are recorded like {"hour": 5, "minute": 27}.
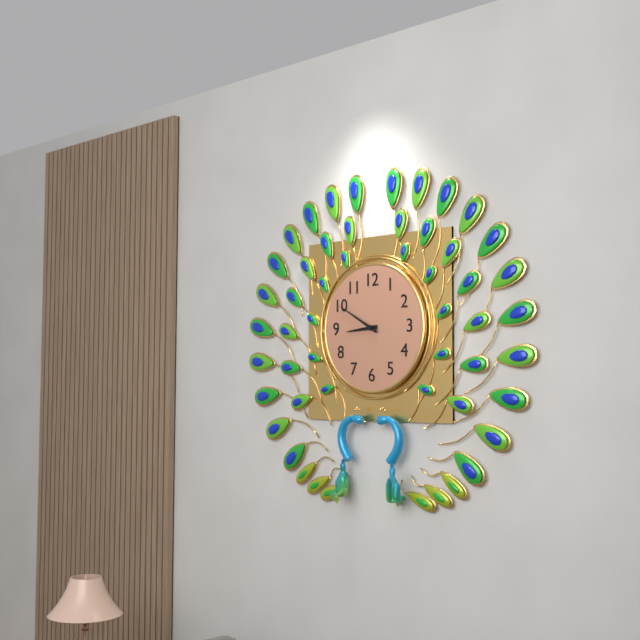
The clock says {"hour": 8, "minute": 50}
